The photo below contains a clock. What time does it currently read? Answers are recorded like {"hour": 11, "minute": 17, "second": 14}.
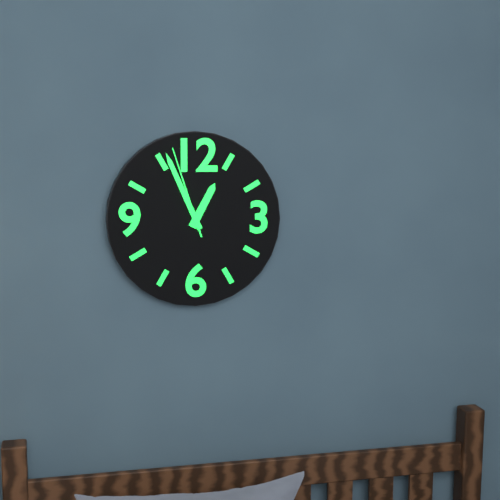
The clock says {"hour": 12, "minute": 56, "second": 57}
